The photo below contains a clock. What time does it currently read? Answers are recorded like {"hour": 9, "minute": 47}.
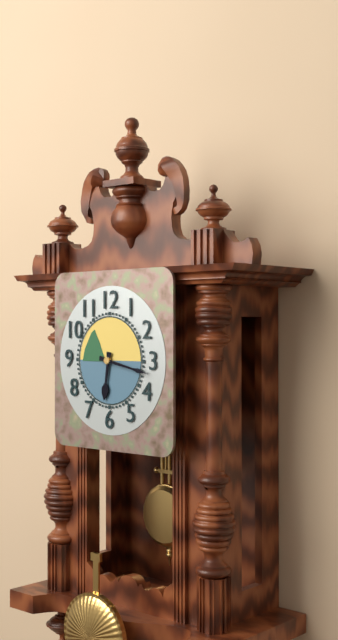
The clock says {"hour": 6, "minute": 17}
